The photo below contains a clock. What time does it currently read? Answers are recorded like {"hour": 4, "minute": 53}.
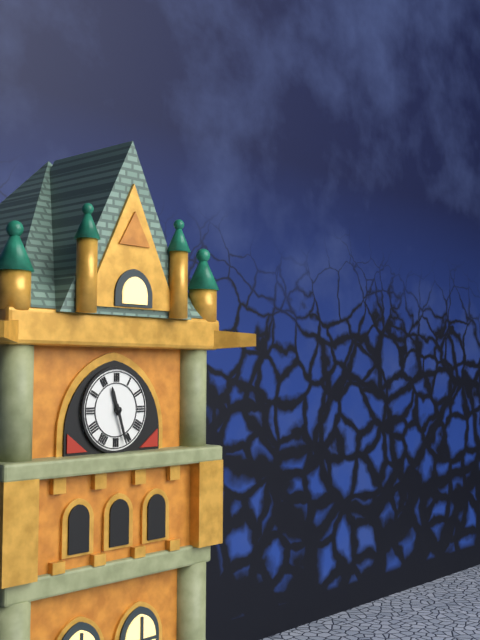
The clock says {"hour": 11, "minute": 27}
